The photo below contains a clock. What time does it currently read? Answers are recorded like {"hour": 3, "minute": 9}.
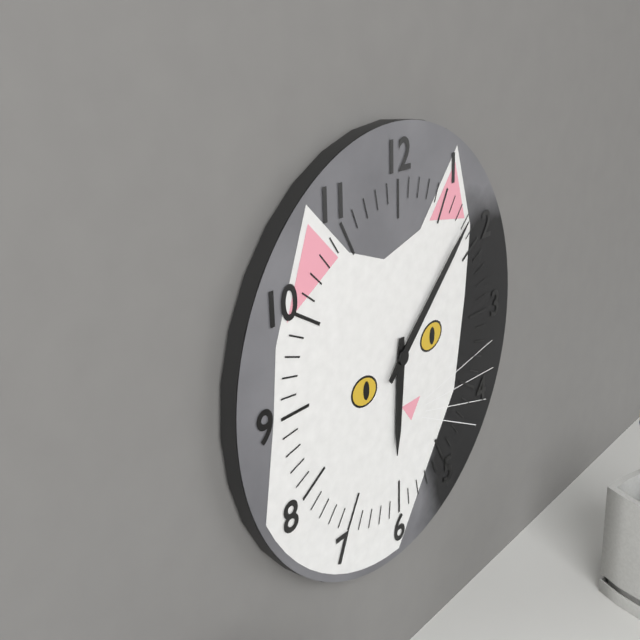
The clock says {"hour": 6, "minute": 8}
